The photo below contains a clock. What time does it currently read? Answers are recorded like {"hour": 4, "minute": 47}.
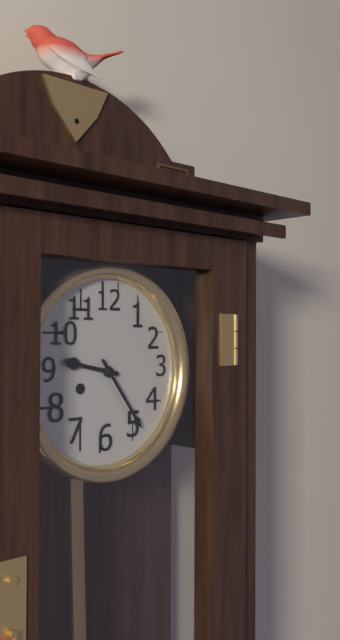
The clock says {"hour": 9, "minute": 24}
